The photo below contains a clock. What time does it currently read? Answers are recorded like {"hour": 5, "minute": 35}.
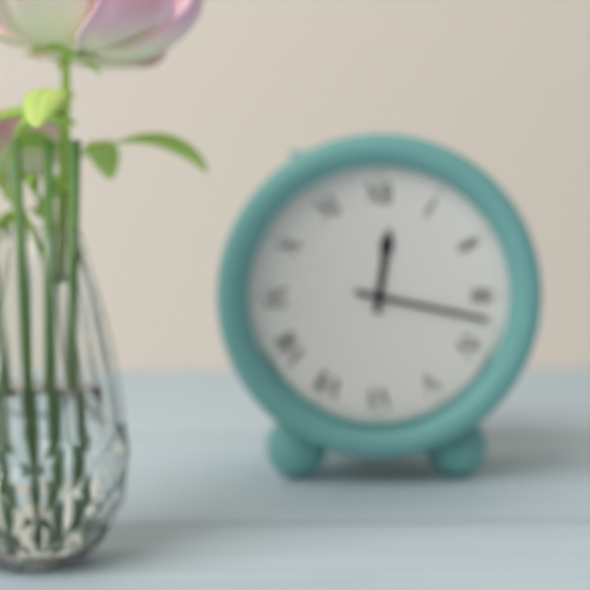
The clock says {"hour": 12, "minute": 17}
